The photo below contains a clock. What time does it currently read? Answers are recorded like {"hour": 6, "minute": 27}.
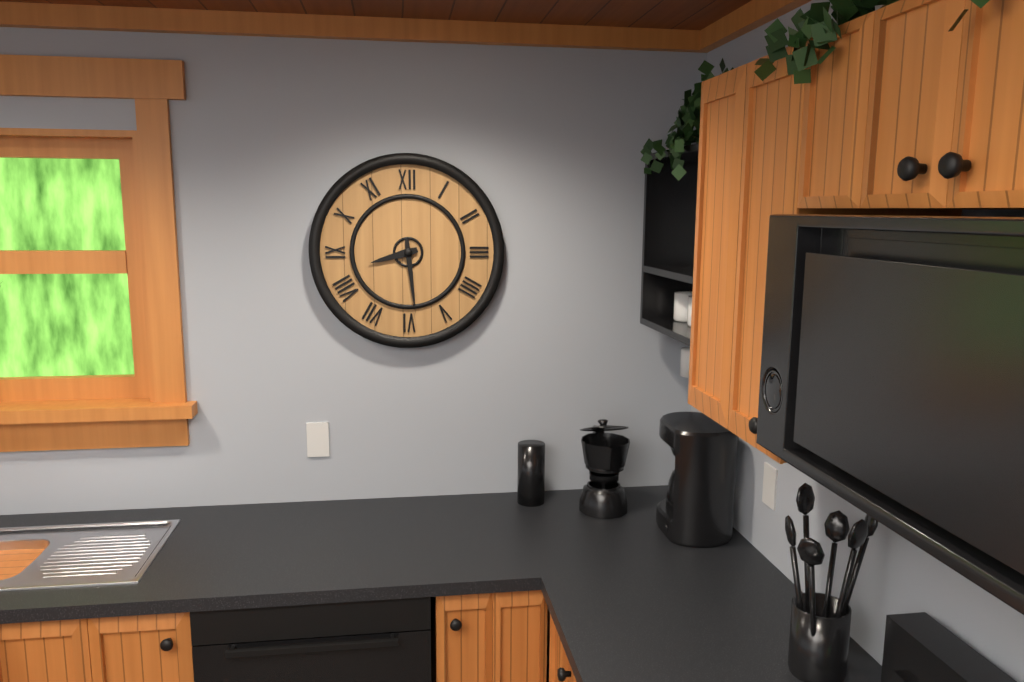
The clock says {"hour": 8, "minute": 29}
